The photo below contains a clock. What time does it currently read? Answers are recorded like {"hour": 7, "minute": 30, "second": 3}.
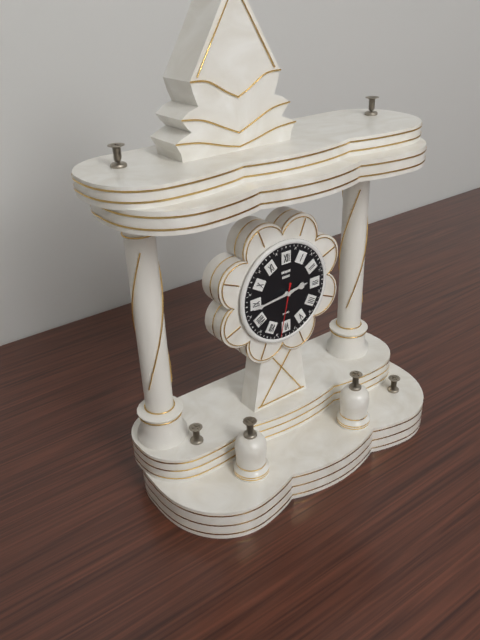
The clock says {"hour": 2, "minute": 44, "second": 32}
